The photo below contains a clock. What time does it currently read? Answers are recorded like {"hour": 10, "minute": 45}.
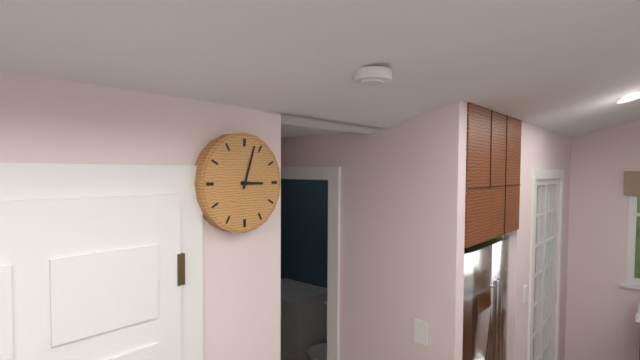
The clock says {"hour": 3, "minute": 3}
